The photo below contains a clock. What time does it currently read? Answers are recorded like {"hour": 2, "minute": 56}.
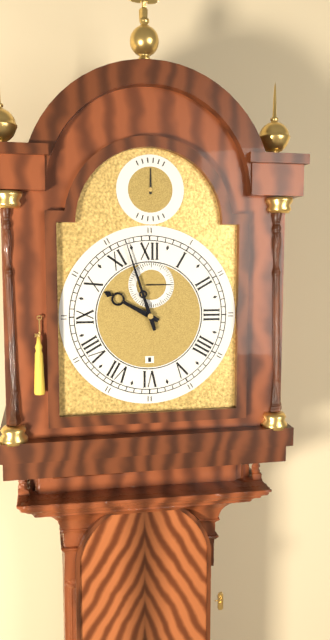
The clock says {"hour": 9, "minute": 57}
